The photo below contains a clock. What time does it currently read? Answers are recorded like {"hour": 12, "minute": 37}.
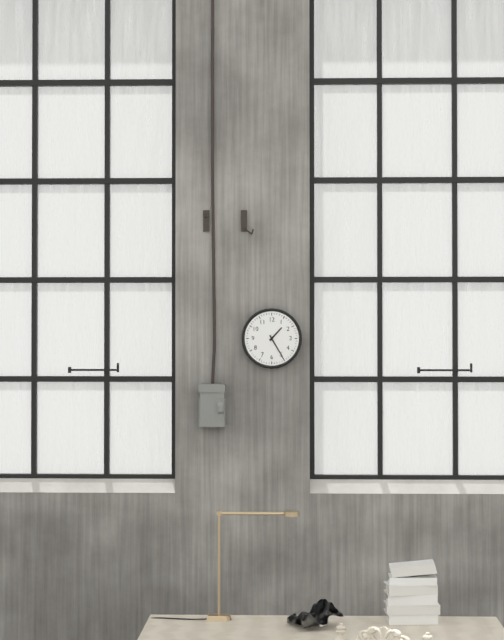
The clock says {"hour": 1, "minute": 25}
